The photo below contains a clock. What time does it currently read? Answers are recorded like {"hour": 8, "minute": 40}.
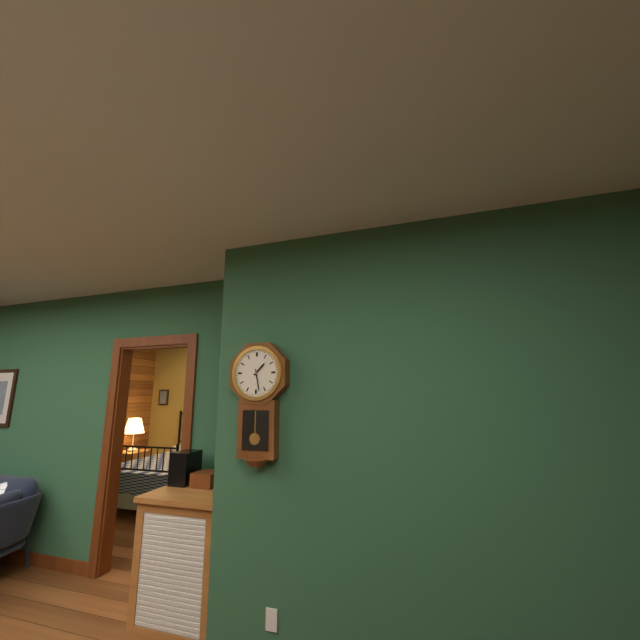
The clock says {"hour": 1, "minute": 28}
